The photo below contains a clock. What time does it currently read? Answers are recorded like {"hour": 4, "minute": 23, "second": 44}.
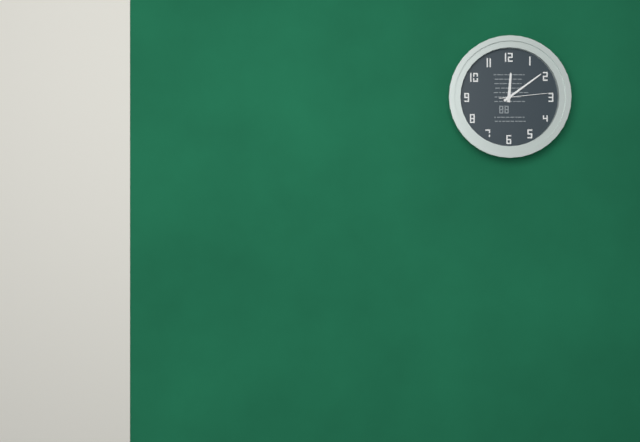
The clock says {"hour": 12, "minute": 9, "second": 14}
